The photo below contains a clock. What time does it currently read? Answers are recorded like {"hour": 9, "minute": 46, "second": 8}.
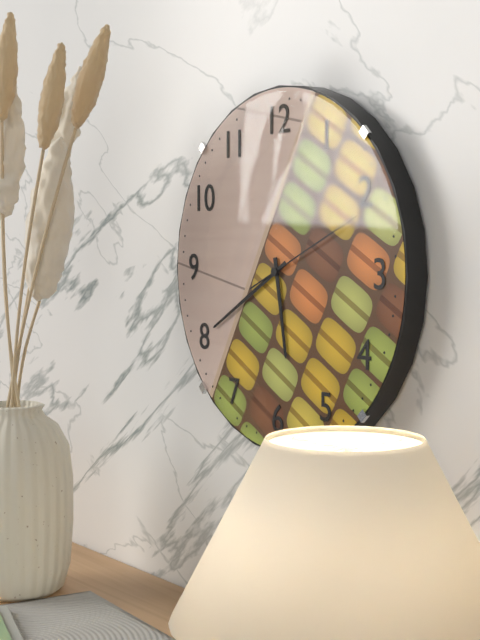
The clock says {"hour": 5, "minute": 40, "second": 11}
